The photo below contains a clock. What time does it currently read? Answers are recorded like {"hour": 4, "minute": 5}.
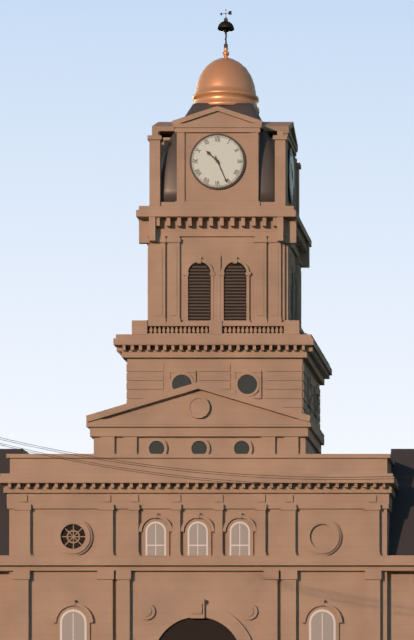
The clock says {"hour": 10, "minute": 26}
